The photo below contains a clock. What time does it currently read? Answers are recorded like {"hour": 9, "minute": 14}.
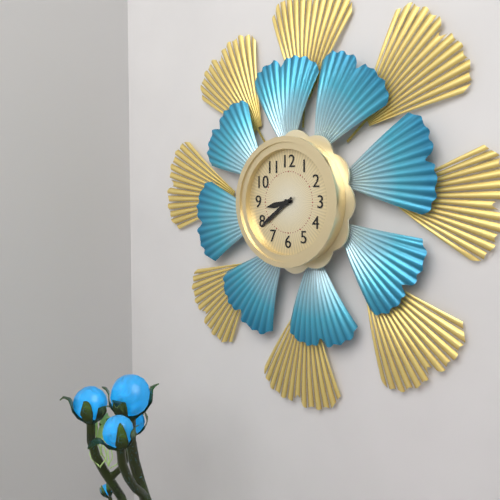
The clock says {"hour": 8, "minute": 39}
